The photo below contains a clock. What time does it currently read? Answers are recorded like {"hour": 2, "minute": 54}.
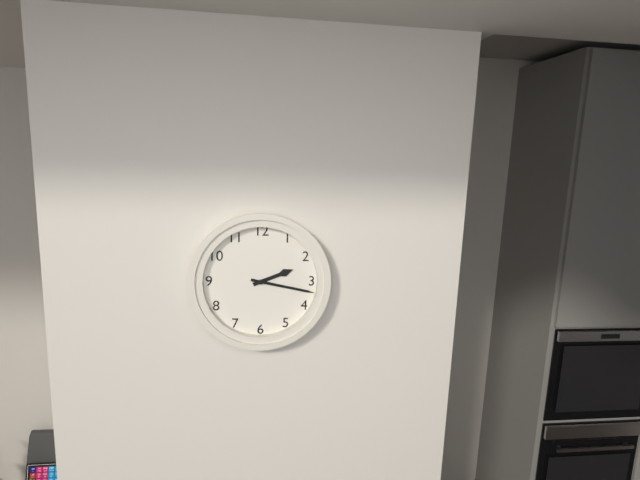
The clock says {"hour": 2, "minute": 17}
